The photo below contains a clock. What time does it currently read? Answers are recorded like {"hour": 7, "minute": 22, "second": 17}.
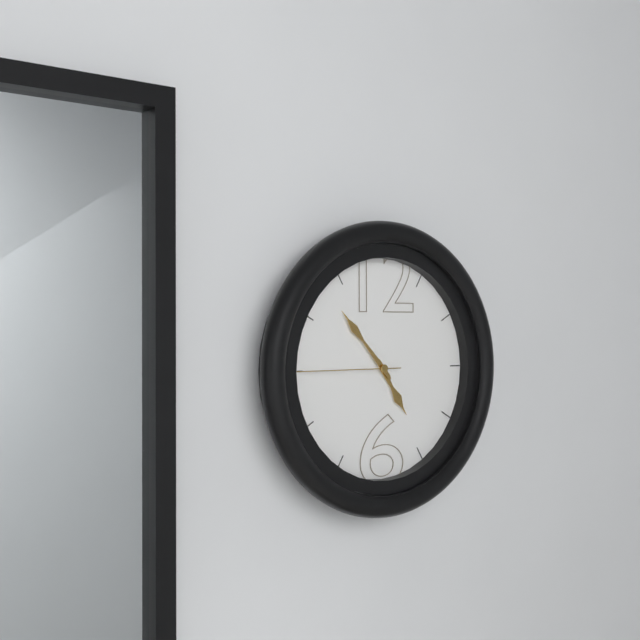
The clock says {"hour": 4, "minute": 53, "second": 45}
